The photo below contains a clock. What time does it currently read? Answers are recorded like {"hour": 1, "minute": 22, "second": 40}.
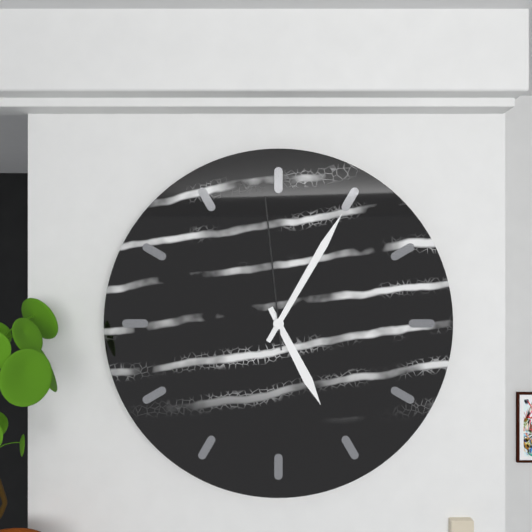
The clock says {"hour": 5, "minute": 5, "second": 59}
